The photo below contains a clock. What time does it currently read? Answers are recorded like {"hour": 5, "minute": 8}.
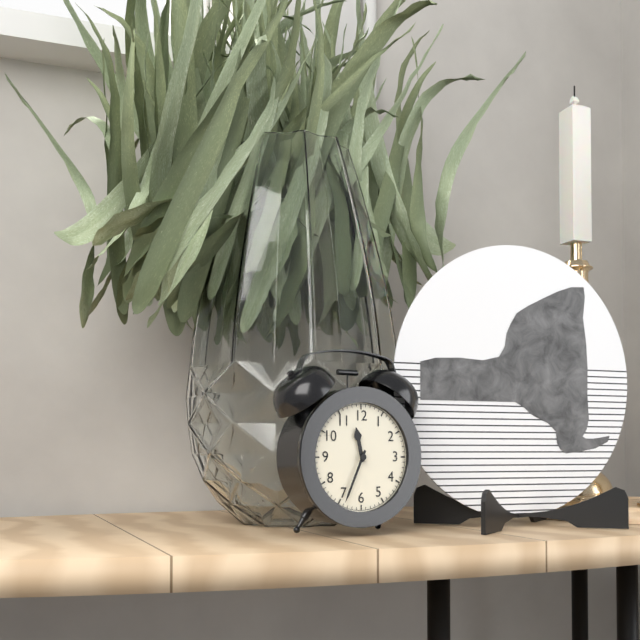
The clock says {"hour": 11, "minute": 34}
